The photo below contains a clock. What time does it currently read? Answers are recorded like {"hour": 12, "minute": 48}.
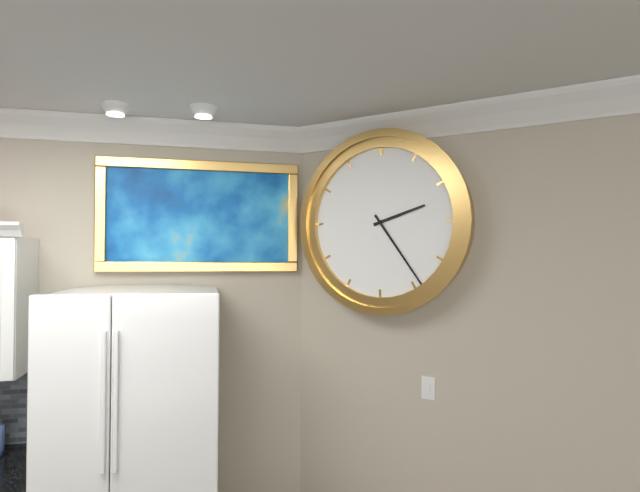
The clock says {"hour": 2, "minute": 24}
